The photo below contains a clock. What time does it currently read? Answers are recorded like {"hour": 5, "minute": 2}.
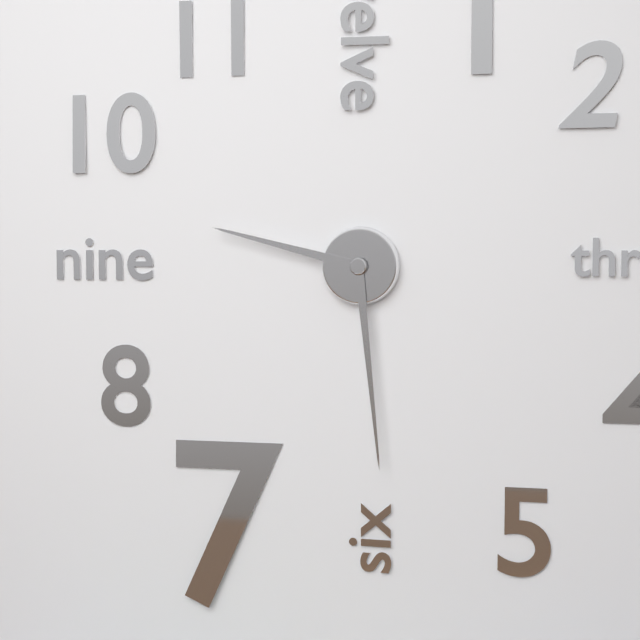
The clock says {"hour": 9, "minute": 29}
